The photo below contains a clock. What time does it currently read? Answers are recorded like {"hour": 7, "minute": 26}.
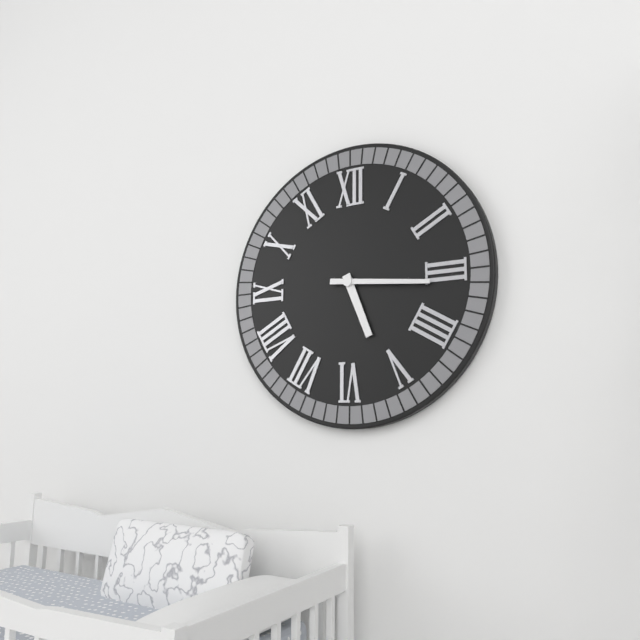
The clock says {"hour": 5, "minute": 16}
